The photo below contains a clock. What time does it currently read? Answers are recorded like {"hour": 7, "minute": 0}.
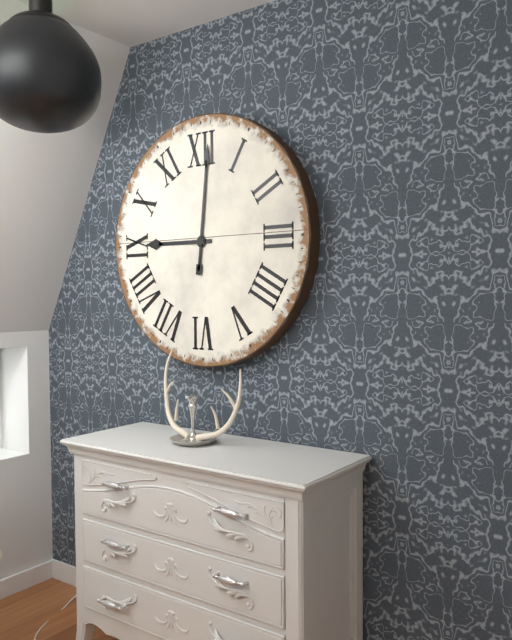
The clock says {"hour": 9, "minute": 1}
